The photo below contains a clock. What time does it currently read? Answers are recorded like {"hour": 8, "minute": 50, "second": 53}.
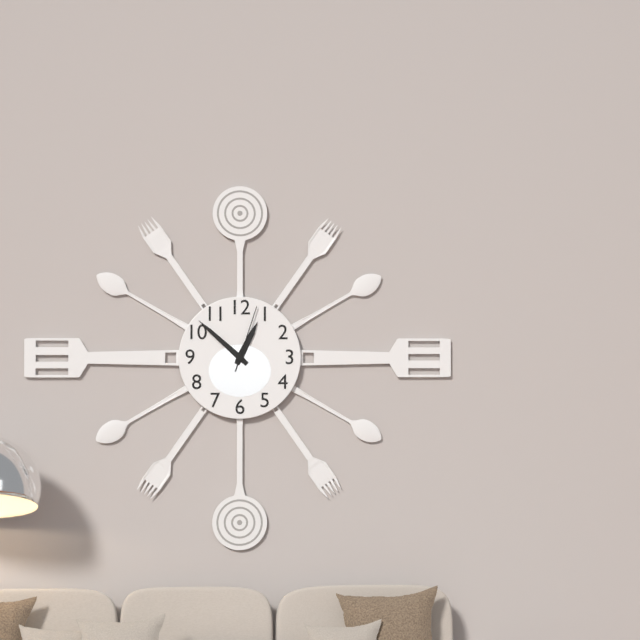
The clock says {"hour": 12, "minute": 52, "second": 3}
